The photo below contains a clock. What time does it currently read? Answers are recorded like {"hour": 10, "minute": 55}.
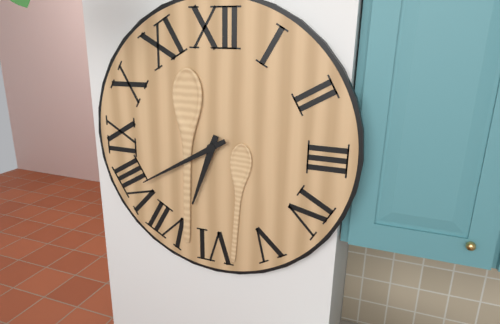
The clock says {"hour": 6, "minute": 40}
